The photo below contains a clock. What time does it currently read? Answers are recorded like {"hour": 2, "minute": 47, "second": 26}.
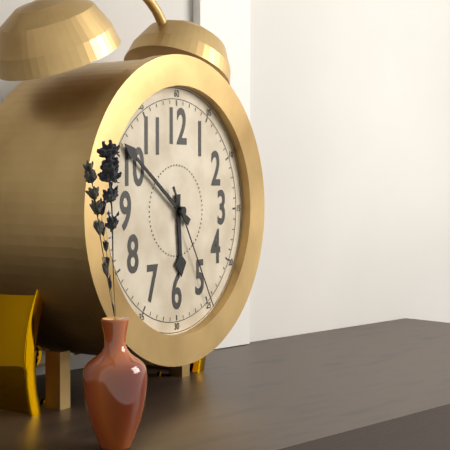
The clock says {"hour": 5, "minute": 51, "second": 25}
